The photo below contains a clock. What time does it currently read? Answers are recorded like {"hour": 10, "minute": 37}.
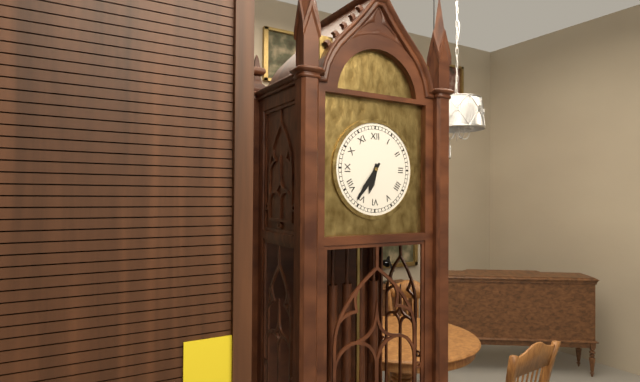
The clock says {"hour": 6, "minute": 36}
